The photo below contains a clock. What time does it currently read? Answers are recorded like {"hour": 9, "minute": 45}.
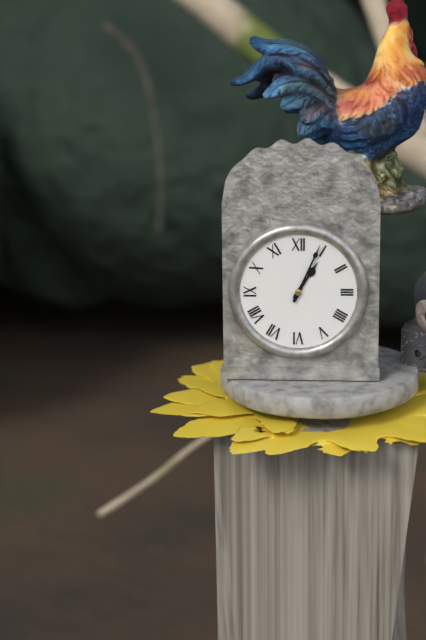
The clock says {"hour": 1, "minute": 4}
